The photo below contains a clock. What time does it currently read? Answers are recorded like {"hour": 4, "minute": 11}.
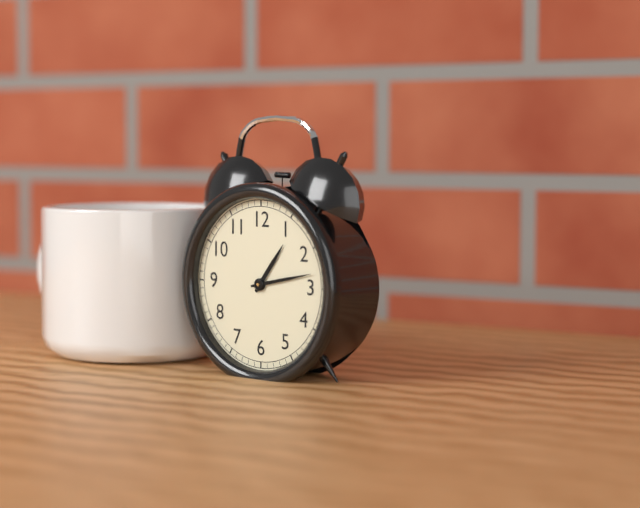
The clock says {"hour": 1, "minute": 13}
